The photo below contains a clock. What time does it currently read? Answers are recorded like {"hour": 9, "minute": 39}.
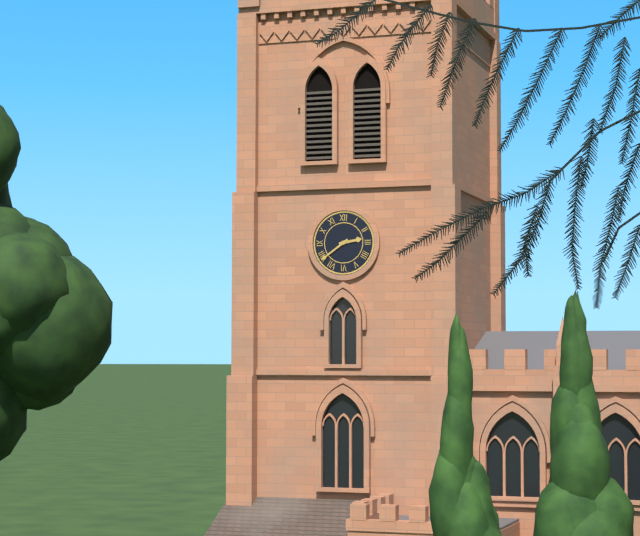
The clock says {"hour": 2, "minute": 39}
